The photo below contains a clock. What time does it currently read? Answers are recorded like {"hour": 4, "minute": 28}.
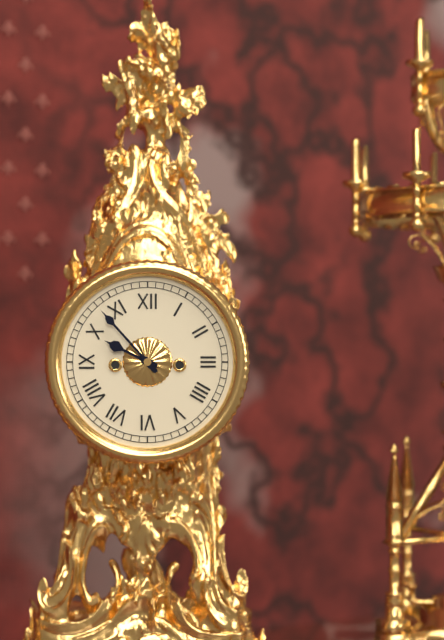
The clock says {"hour": 9, "minute": 53}
